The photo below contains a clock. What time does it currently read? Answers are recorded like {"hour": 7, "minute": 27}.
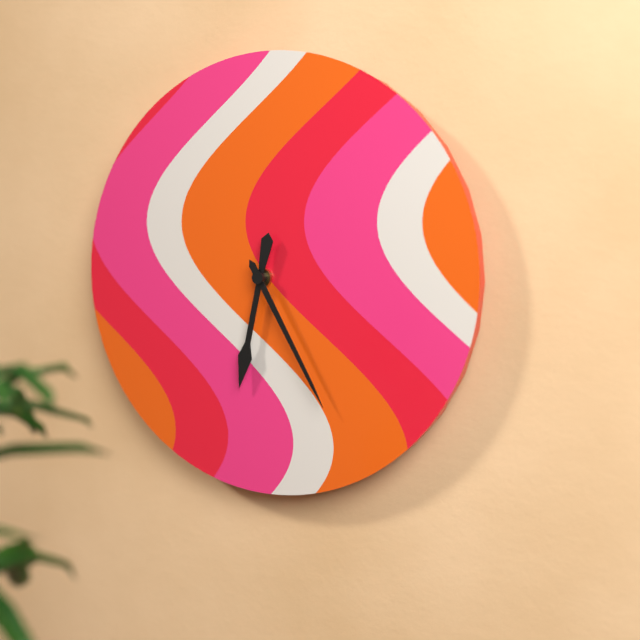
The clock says {"hour": 6, "minute": 25}
